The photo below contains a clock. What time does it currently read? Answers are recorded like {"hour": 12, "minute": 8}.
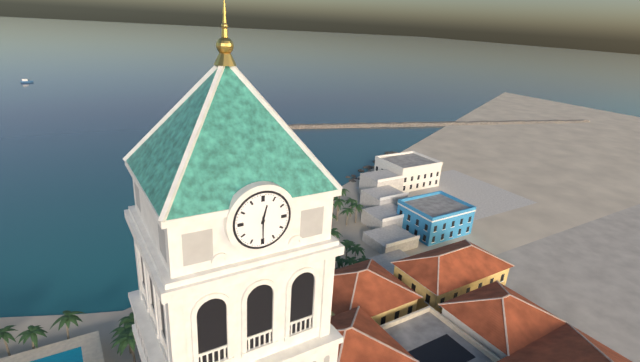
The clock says {"hour": 12, "minute": 30}
